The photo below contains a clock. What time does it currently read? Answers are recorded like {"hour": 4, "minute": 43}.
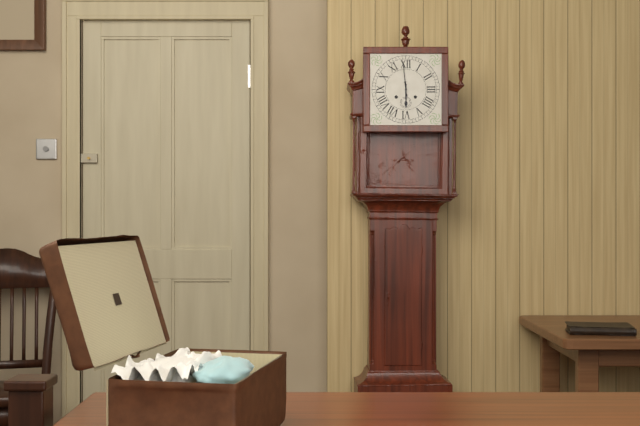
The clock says {"hour": 5, "minute": 59}
